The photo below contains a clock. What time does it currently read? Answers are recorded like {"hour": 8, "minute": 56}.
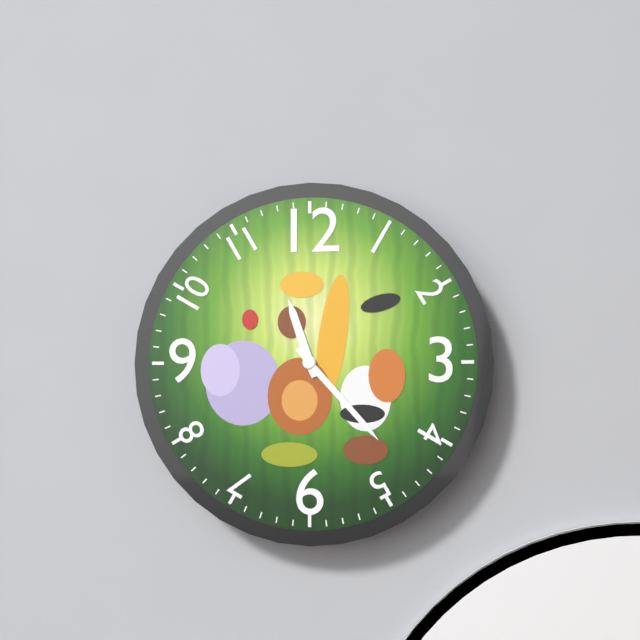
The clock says {"hour": 11, "minute": 23}
